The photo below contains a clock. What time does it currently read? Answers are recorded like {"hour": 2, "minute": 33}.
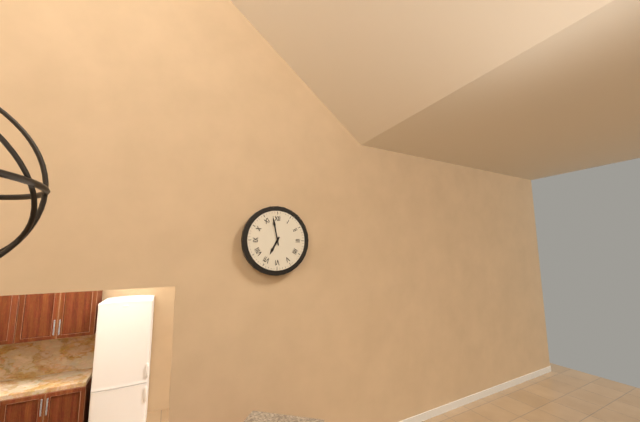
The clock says {"hour": 6, "minute": 58}
